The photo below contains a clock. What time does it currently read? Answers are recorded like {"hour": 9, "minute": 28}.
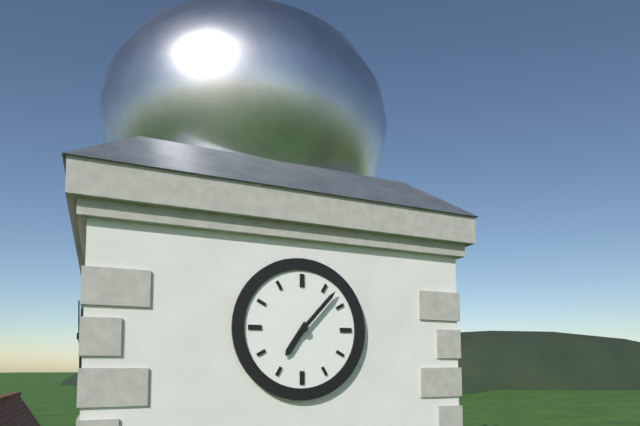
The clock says {"hour": 7, "minute": 7}
